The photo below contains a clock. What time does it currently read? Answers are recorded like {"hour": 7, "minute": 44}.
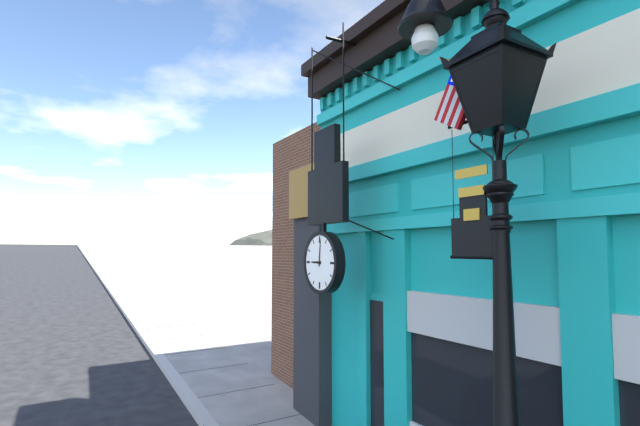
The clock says {"hour": 9, "minute": 1}
